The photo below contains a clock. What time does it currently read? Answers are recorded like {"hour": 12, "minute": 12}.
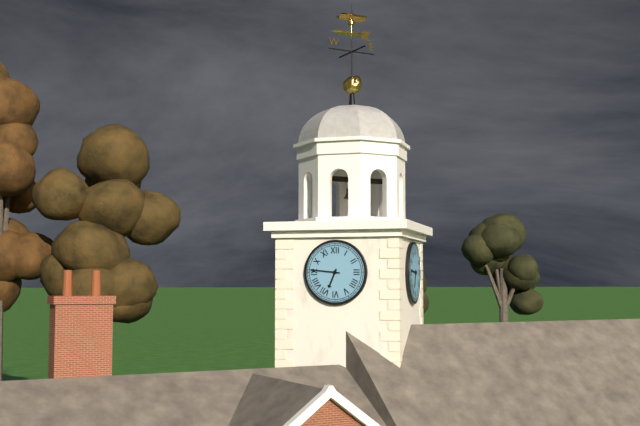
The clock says {"hour": 6, "minute": 46}
